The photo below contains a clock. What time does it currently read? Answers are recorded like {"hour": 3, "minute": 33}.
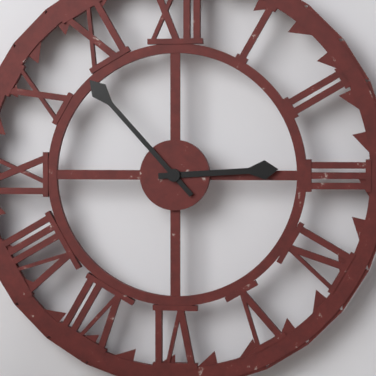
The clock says {"hour": 2, "minute": 53}
